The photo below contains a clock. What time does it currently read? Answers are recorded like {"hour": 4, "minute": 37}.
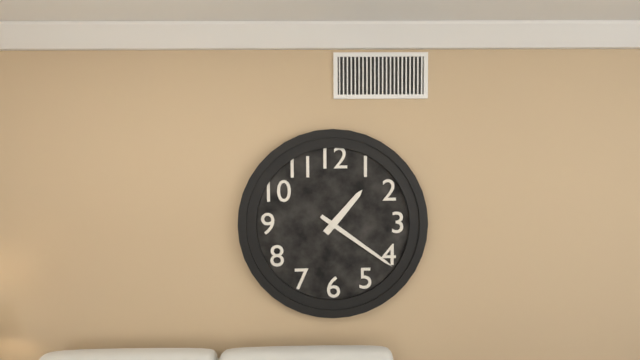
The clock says {"hour": 1, "minute": 21}
